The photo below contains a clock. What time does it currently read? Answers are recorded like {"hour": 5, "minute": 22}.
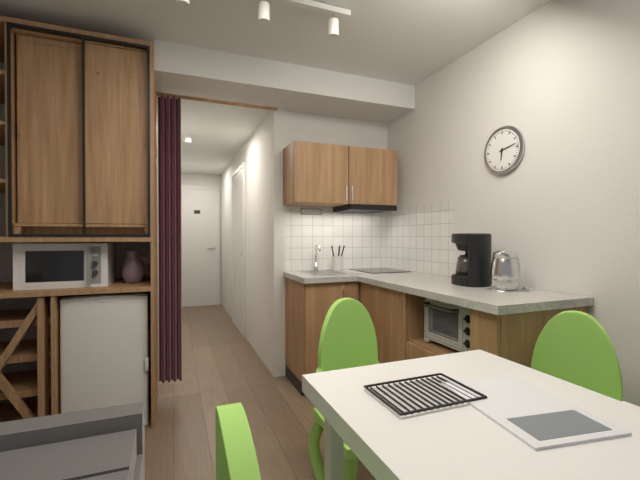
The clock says {"hour": 6, "minute": 13}
